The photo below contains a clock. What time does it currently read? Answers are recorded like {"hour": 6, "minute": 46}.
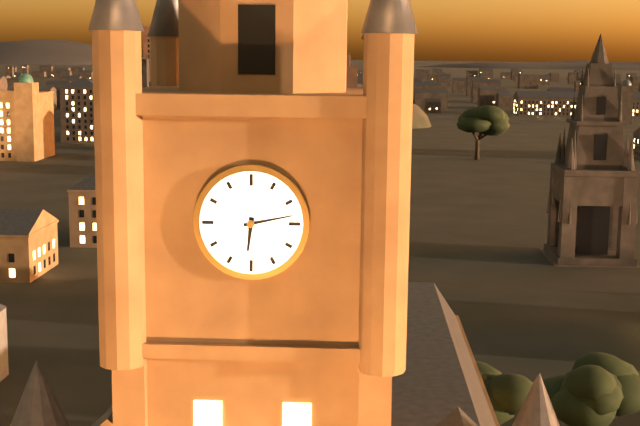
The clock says {"hour": 6, "minute": 13}
